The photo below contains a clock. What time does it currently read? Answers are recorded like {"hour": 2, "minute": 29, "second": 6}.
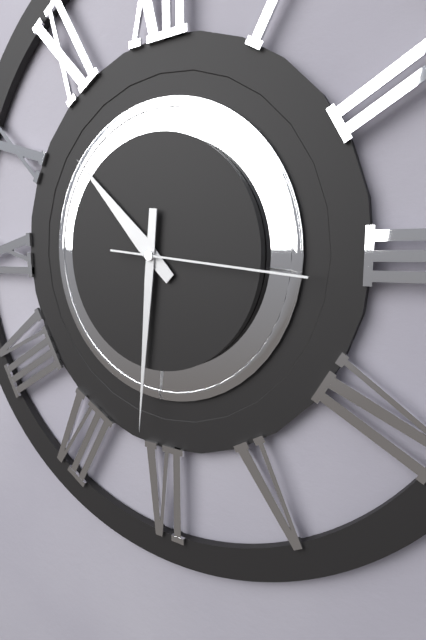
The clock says {"hour": 10, "minute": 31, "second": 16}
